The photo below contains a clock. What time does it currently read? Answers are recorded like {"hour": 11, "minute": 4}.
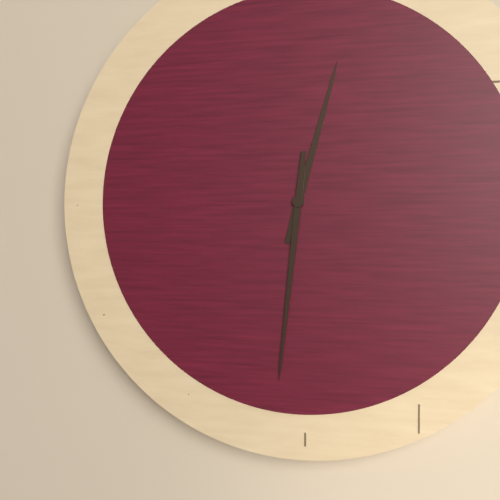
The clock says {"hour": 12, "minute": 31}
